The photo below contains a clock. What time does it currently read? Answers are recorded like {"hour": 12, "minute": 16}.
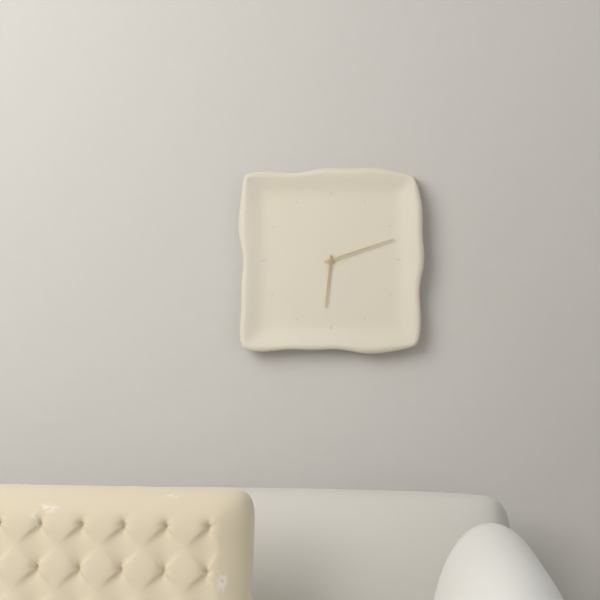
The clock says {"hour": 6, "minute": 12}
